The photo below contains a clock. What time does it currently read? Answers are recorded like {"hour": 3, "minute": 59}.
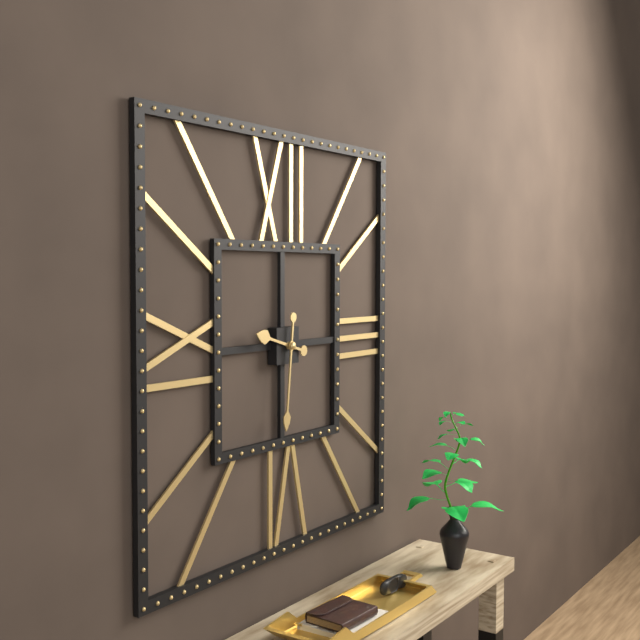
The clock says {"hour": 9, "minute": 31}
